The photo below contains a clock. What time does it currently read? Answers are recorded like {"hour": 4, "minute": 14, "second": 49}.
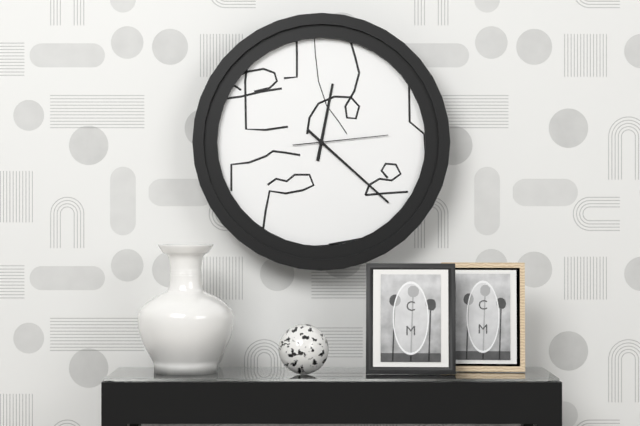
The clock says {"hour": 12, "minute": 22, "second": 14}
